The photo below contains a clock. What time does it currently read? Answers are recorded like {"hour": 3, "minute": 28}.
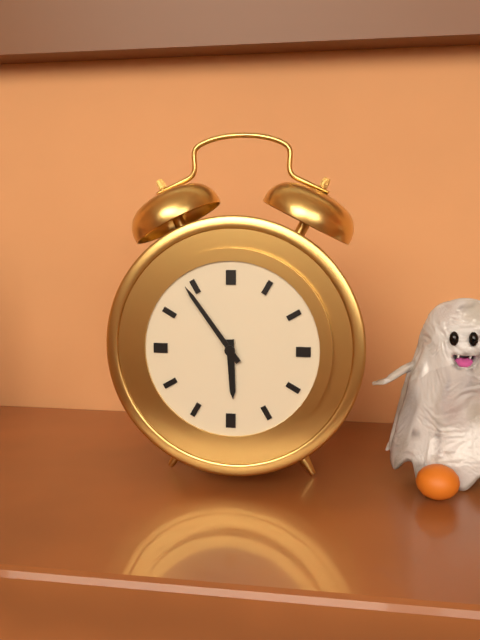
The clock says {"hour": 5, "minute": 54}
